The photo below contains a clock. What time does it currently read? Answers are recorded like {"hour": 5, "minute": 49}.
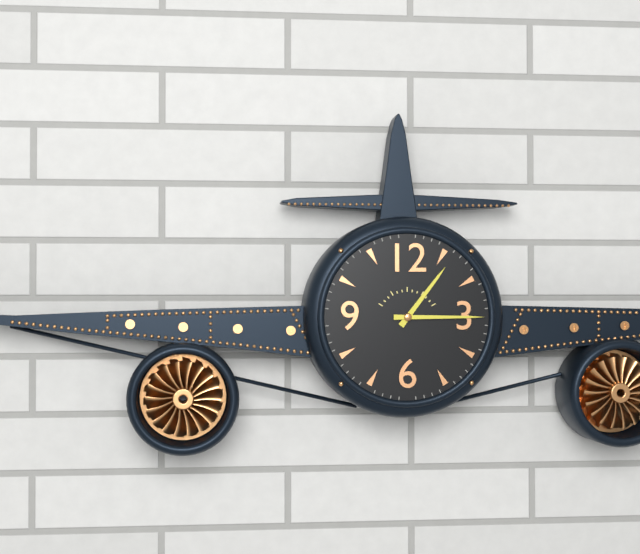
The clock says {"hour": 1, "minute": 15}
